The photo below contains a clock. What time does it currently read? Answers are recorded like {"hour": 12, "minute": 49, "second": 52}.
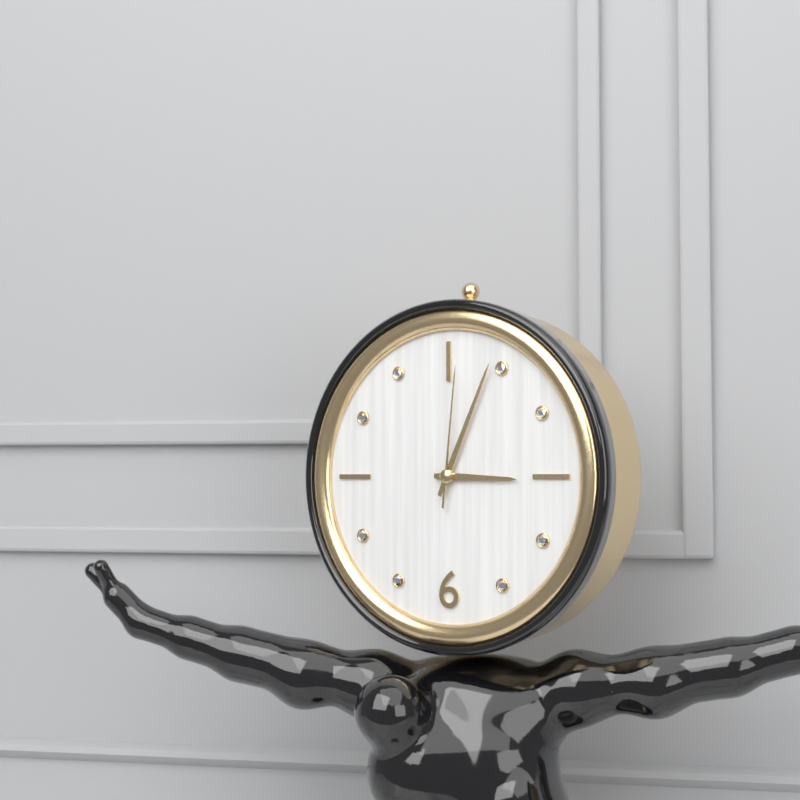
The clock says {"hour": 3, "minute": 4, "second": 1}
